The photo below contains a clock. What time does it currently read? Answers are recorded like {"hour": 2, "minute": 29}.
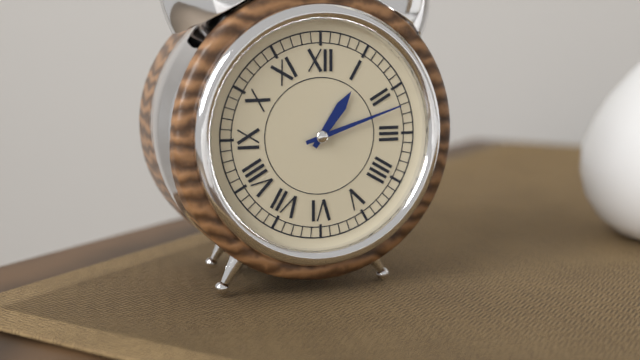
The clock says {"hour": 1, "minute": 12}
